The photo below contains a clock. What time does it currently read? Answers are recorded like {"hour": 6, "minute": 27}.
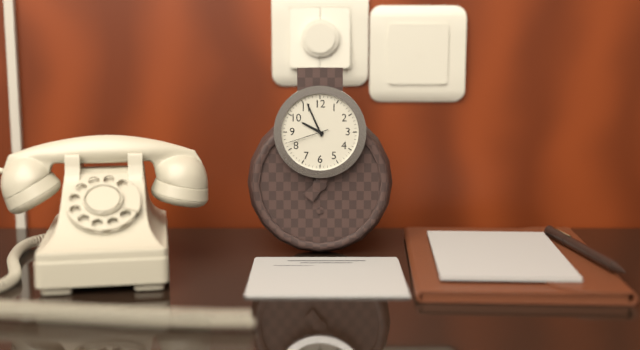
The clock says {"hour": 9, "minute": 56}
